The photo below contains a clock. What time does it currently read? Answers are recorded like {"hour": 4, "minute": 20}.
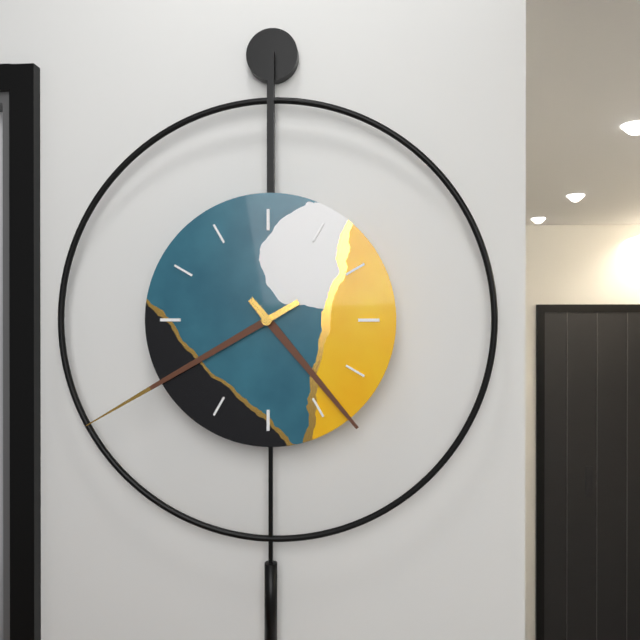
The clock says {"hour": 4, "minute": 40}
